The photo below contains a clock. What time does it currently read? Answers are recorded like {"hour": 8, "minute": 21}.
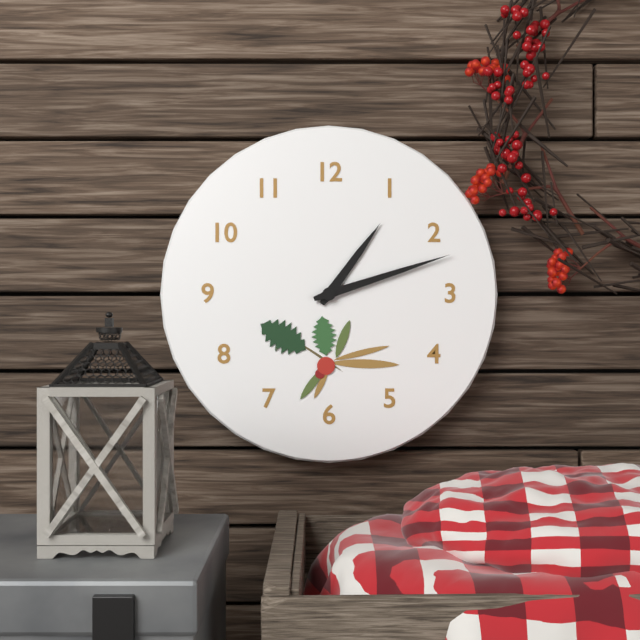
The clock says {"hour": 1, "minute": 12}
